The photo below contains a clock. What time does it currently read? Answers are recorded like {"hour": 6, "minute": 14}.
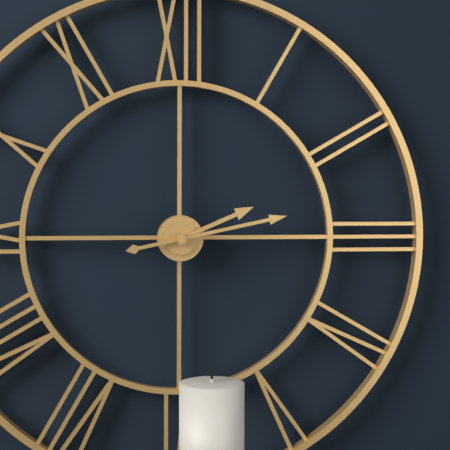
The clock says {"hour": 2, "minute": 13}
